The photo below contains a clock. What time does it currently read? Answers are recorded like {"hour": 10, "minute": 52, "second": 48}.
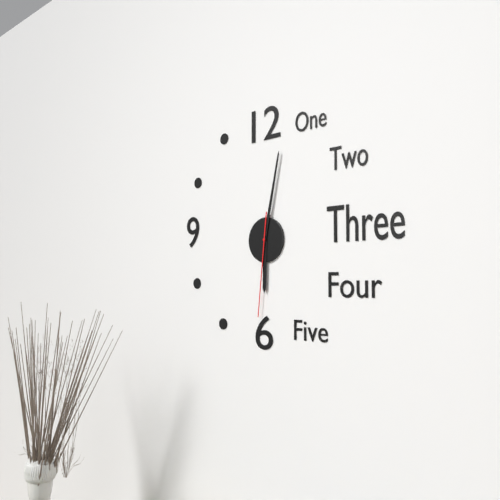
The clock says {"hour": 6, "minute": 2, "second": 31}
